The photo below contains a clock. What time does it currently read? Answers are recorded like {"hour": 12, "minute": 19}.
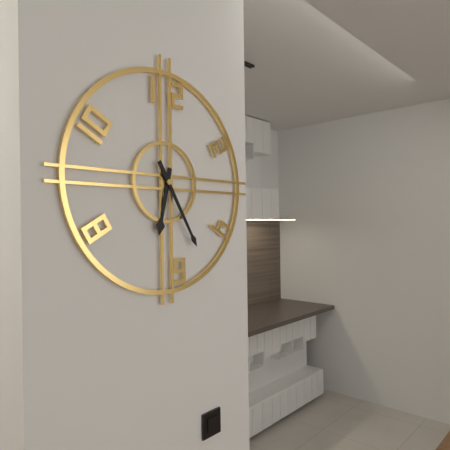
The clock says {"hour": 6, "minute": 25}
